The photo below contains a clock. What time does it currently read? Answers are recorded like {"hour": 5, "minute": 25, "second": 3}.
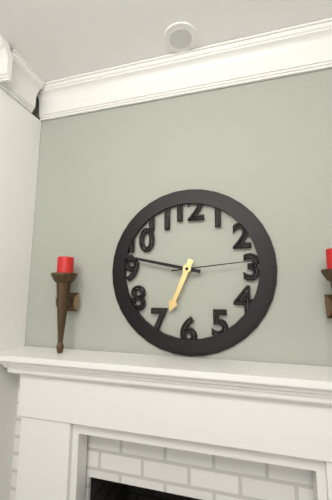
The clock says {"hour": 6, "minute": 47, "second": 14}
